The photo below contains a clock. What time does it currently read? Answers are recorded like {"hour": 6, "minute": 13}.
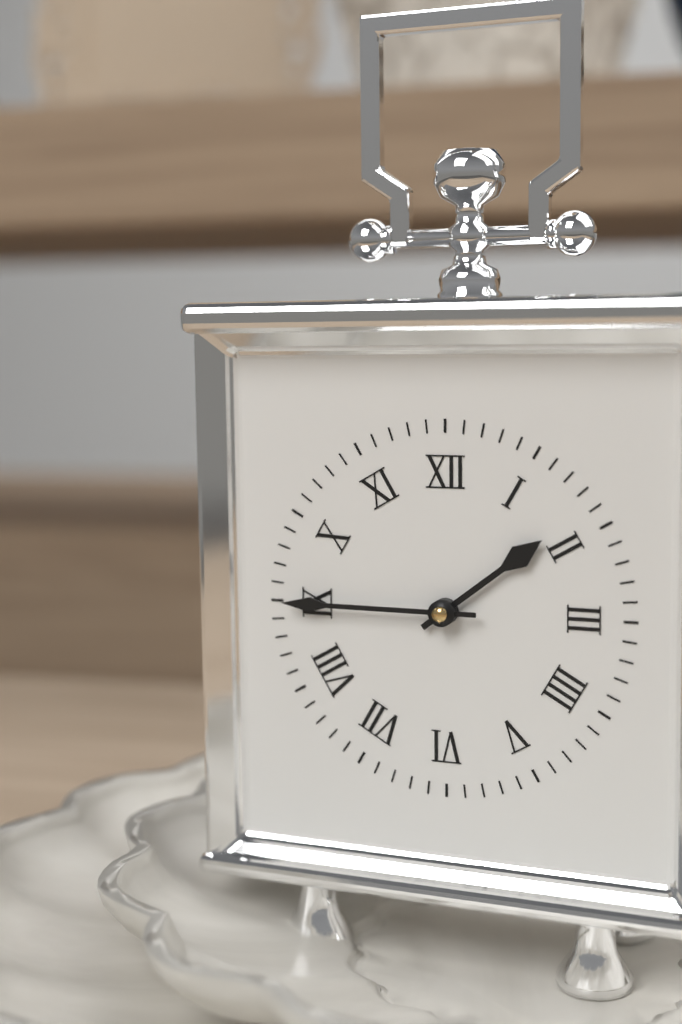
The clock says {"hour": 1, "minute": 45}
